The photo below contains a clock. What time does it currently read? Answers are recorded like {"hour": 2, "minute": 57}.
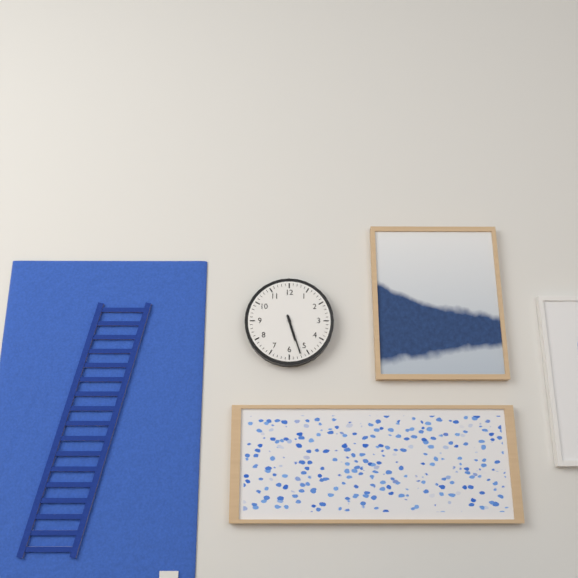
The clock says {"hour": 5, "minute": 27}
